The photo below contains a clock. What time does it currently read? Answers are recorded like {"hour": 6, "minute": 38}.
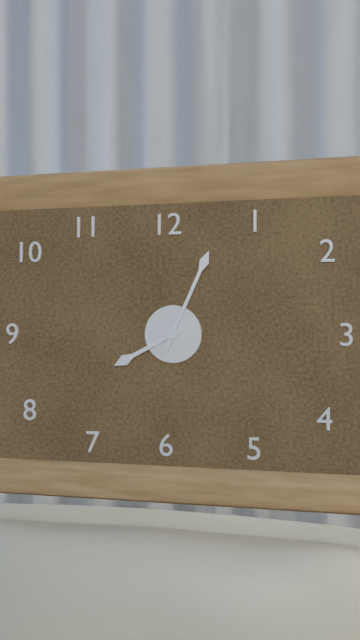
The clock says {"hour": 8, "minute": 4}
